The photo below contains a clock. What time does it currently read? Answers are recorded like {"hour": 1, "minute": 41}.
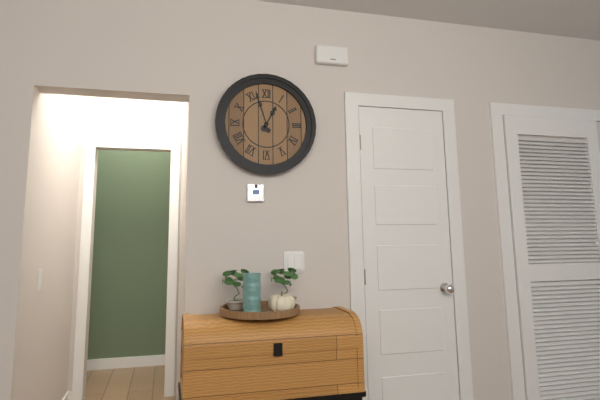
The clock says {"hour": 12, "minute": 57}
